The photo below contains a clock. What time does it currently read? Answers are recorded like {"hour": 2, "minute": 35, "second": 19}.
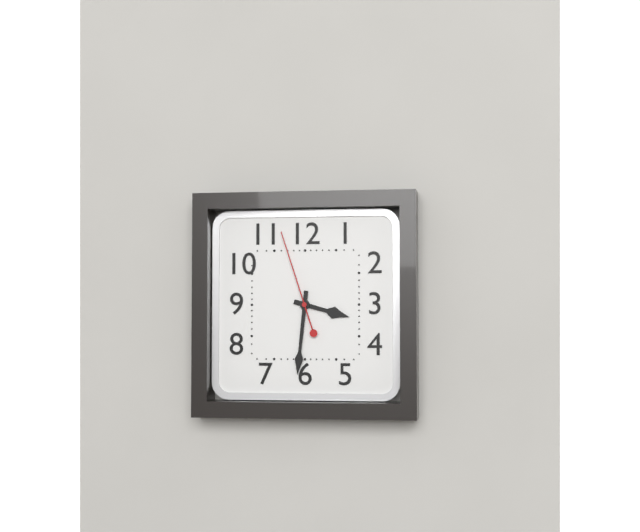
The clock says {"hour": 3, "minute": 31, "second": 57}
